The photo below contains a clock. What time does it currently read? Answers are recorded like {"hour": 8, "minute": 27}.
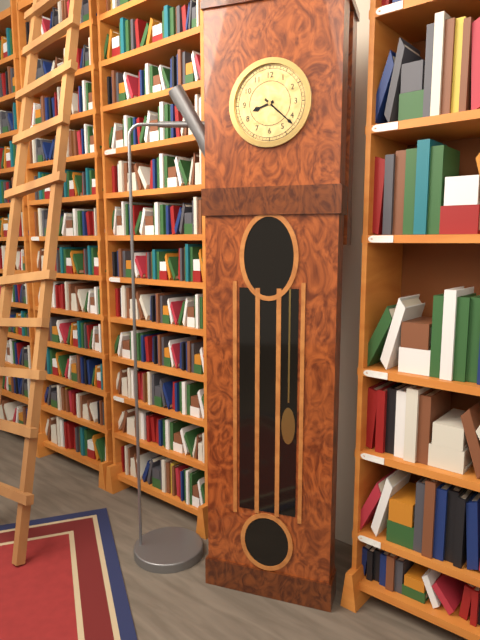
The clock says {"hour": 8, "minute": 22}
